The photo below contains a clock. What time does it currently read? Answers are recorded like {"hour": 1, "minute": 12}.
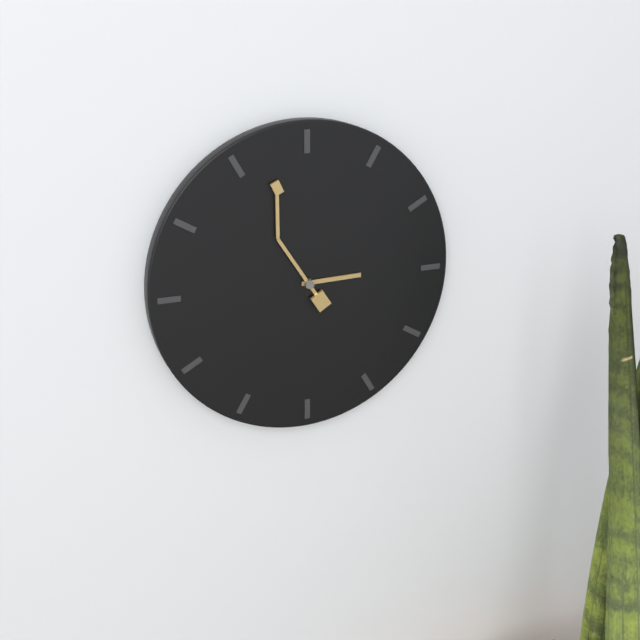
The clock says {"hour": 2, "minute": 57}
